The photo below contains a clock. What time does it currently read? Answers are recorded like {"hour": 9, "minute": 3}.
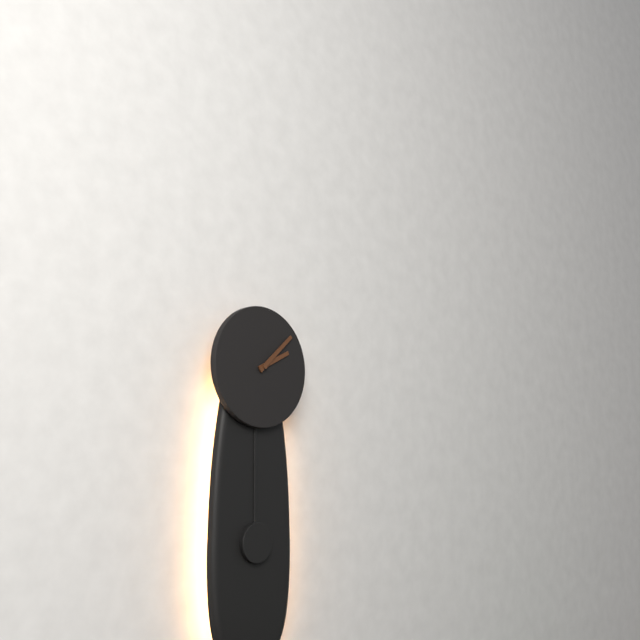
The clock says {"hour": 2, "minute": 8}
